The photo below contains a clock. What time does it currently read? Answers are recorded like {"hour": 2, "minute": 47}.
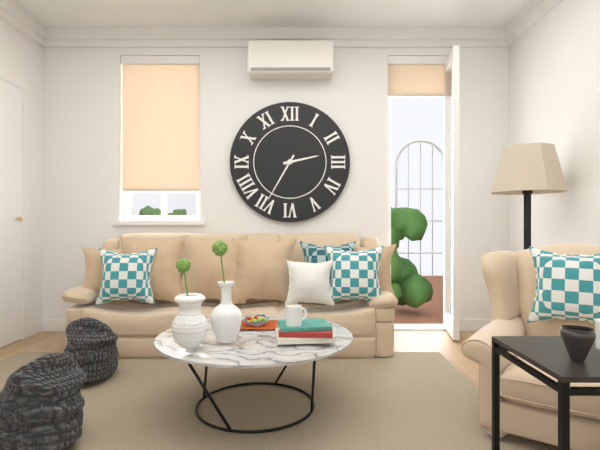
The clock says {"hour": 2, "minute": 35}
